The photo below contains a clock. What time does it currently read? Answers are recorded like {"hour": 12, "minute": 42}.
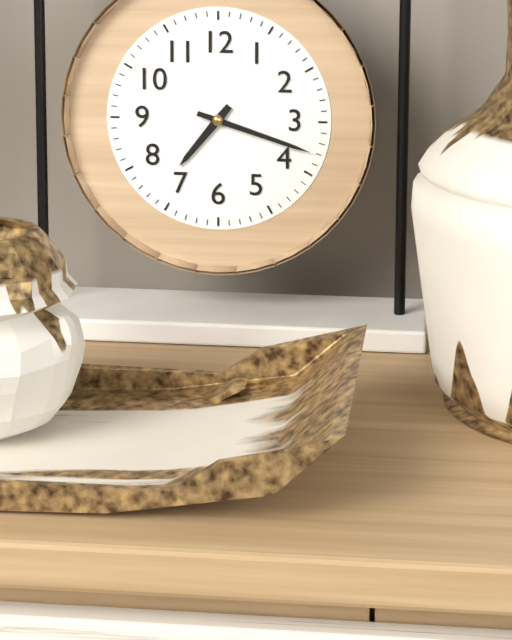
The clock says {"hour": 7, "minute": 18}
